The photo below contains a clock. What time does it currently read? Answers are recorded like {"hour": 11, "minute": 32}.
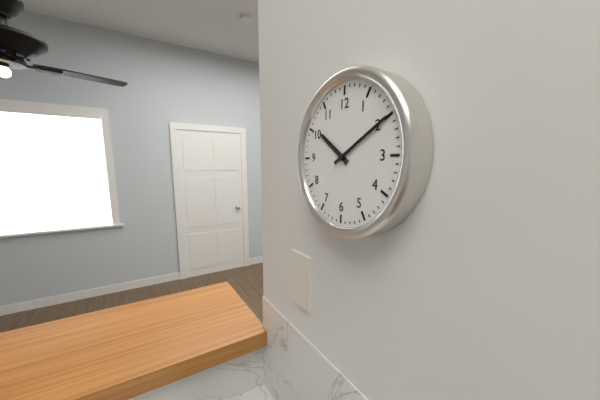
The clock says {"hour": 10, "minute": 10}
